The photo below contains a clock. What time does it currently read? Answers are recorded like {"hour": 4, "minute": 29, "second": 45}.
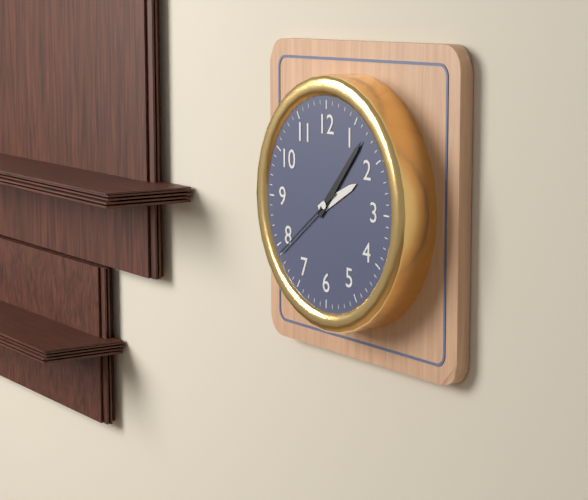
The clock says {"hour": 2, "minute": 7, "second": 39}
